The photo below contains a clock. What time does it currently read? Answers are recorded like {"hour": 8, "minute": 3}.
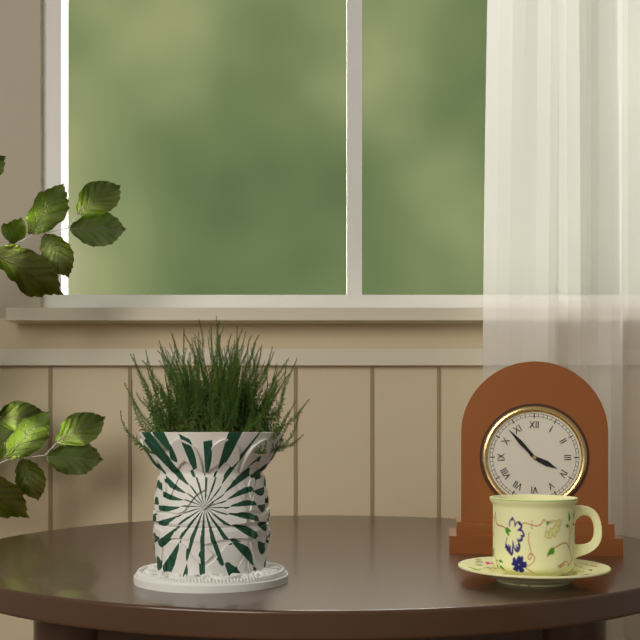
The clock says {"hour": 3, "minute": 53}
